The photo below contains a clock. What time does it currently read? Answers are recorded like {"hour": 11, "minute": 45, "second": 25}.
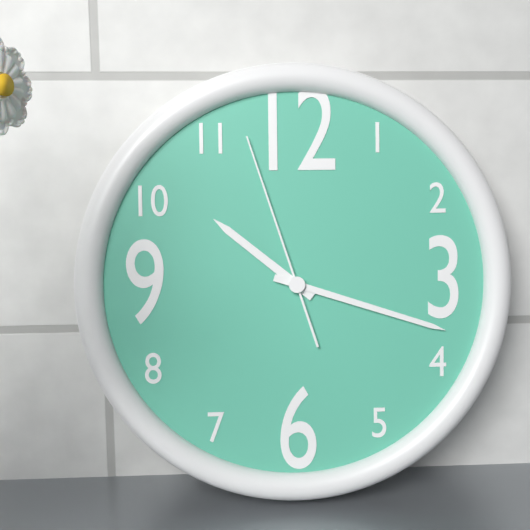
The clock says {"hour": 10, "minute": 18, "second": 57}
